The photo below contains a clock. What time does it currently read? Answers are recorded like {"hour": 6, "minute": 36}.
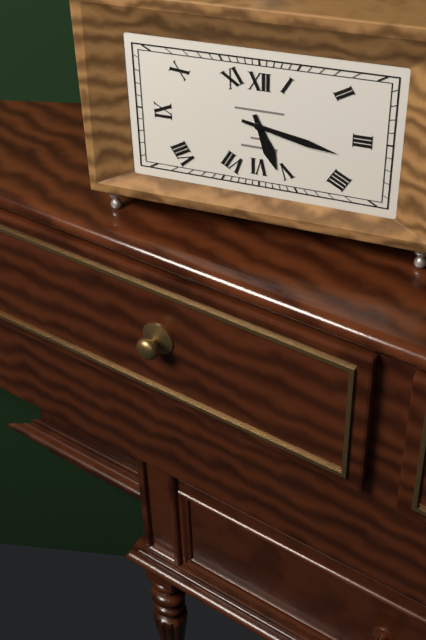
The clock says {"hour": 5, "minute": 17}
